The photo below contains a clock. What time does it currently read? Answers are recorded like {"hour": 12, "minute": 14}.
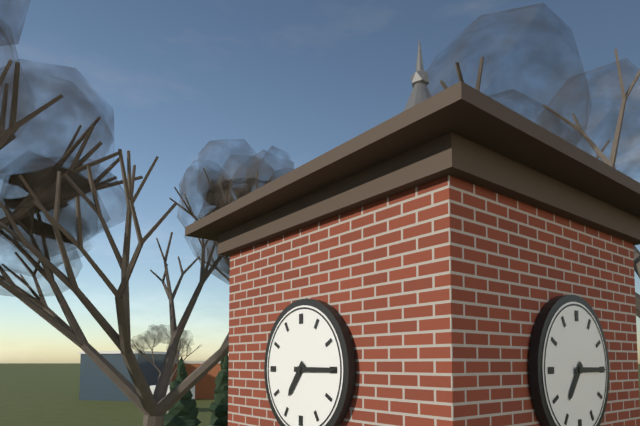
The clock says {"hour": 7, "minute": 15}
